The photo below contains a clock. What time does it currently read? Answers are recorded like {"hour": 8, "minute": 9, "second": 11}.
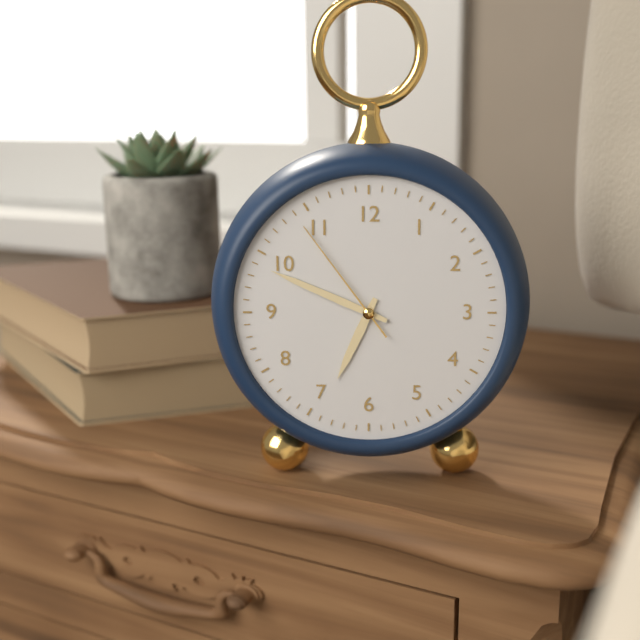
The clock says {"hour": 6, "minute": 49, "second": 54}
